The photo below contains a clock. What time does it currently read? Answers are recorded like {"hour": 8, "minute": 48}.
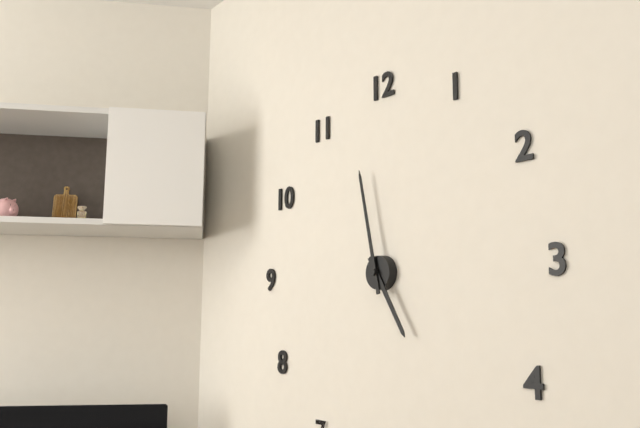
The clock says {"hour": 4, "minute": 58}
